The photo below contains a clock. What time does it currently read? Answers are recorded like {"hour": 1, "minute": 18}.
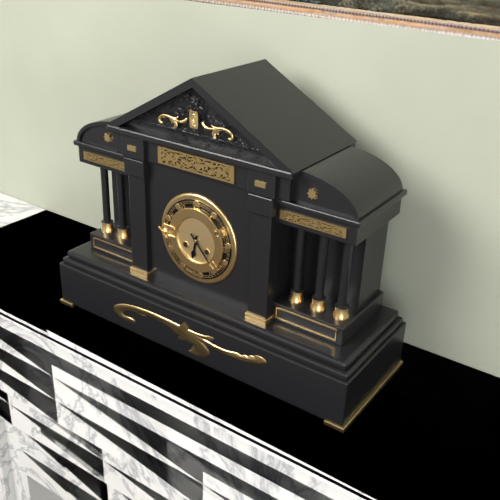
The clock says {"hour": 6, "minute": 23}
